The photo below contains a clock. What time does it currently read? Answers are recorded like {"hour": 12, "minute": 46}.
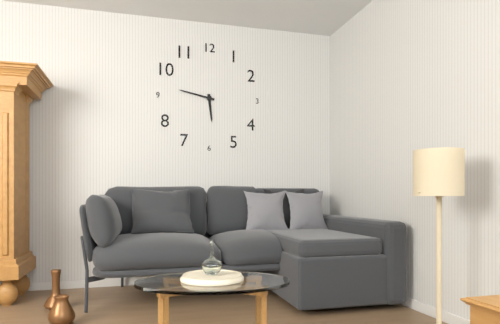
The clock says {"hour": 5, "minute": 47}
